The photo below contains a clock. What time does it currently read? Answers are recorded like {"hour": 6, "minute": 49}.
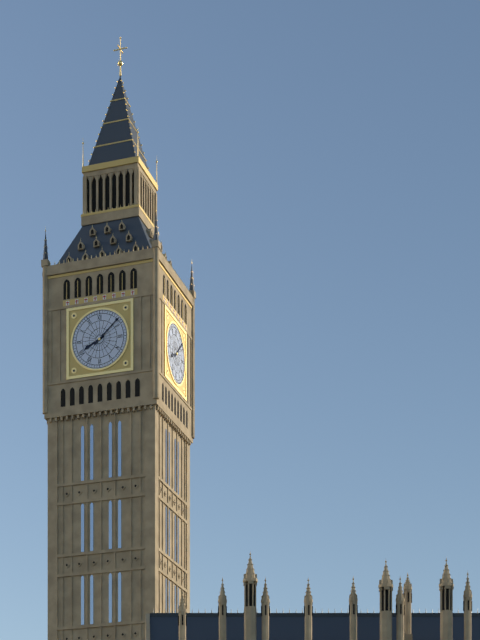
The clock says {"hour": 8, "minute": 8}
